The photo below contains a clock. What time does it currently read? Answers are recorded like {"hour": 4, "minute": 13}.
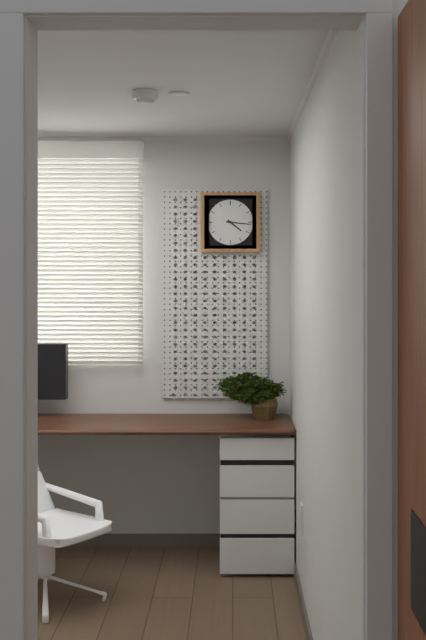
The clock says {"hour": 4, "minute": 16}
